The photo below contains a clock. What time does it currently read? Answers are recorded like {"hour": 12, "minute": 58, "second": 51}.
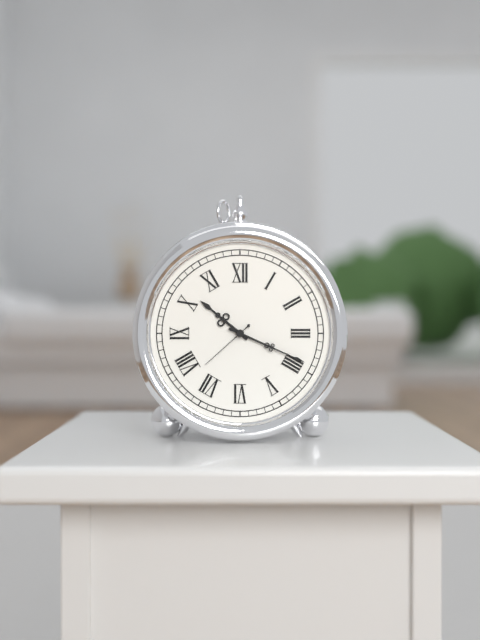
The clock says {"hour": 10, "minute": 19, "second": 38}
